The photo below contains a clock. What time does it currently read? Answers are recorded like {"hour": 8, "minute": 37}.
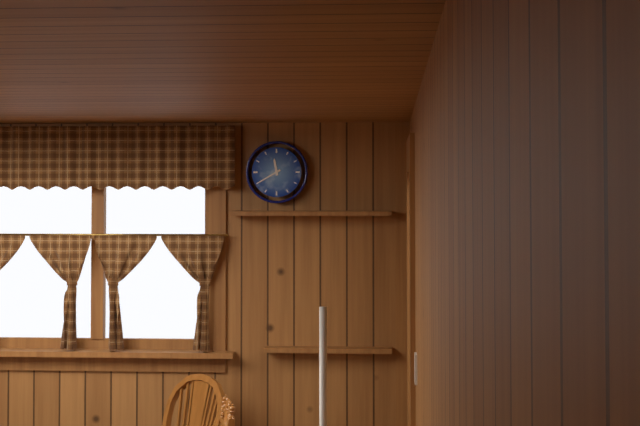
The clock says {"hour": 11, "minute": 40}
